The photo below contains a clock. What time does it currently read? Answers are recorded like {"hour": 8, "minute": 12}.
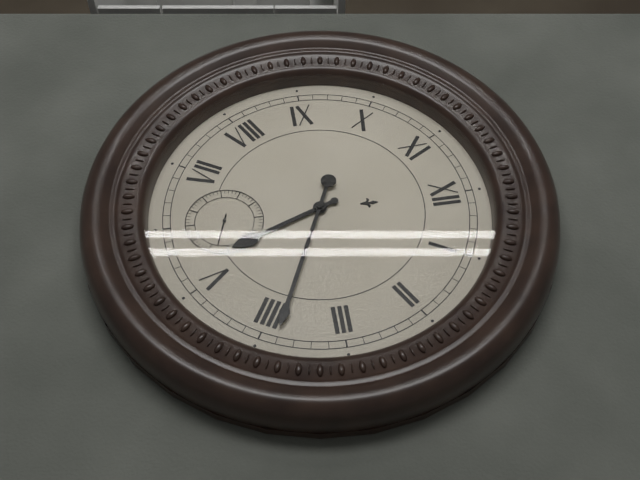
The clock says {"hour": 5, "minute": 19}
